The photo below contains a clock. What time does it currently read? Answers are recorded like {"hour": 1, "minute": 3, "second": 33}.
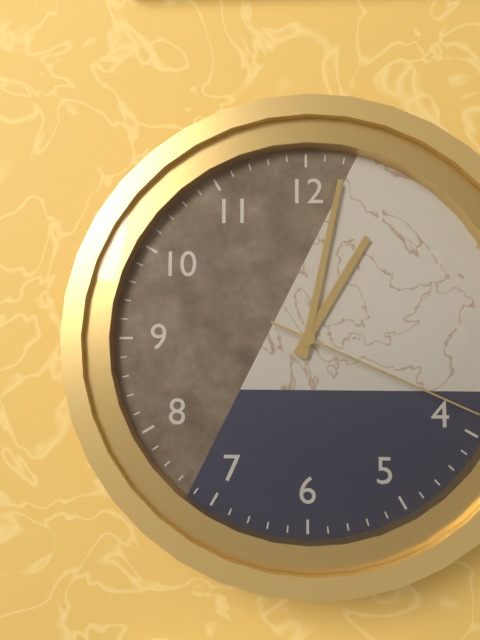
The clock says {"hour": 1, "minute": 2, "second": 19}
